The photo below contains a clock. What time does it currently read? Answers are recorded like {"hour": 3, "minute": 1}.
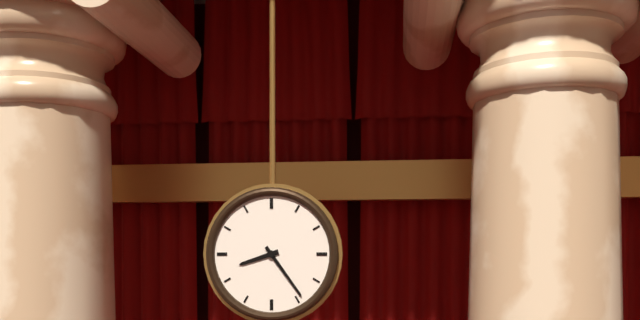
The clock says {"hour": 8, "minute": 24}
